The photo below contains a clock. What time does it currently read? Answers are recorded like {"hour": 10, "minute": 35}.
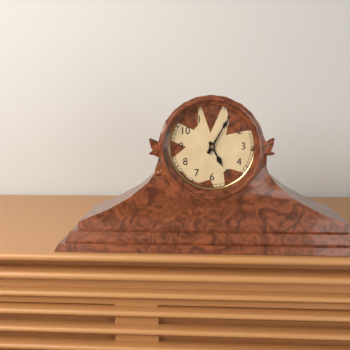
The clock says {"hour": 5, "minute": 5}
